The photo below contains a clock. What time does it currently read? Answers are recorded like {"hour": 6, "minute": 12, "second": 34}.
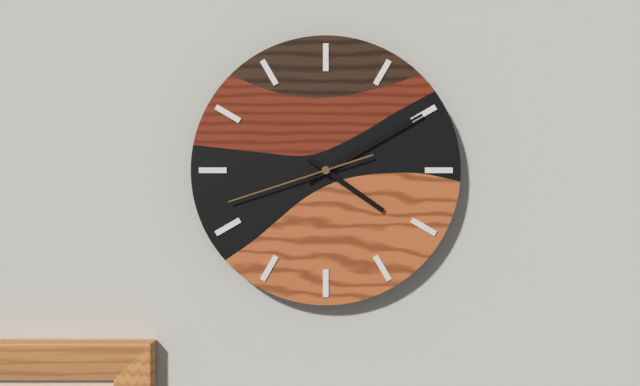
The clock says {"hour": 4, "minute": 10, "second": 42}
